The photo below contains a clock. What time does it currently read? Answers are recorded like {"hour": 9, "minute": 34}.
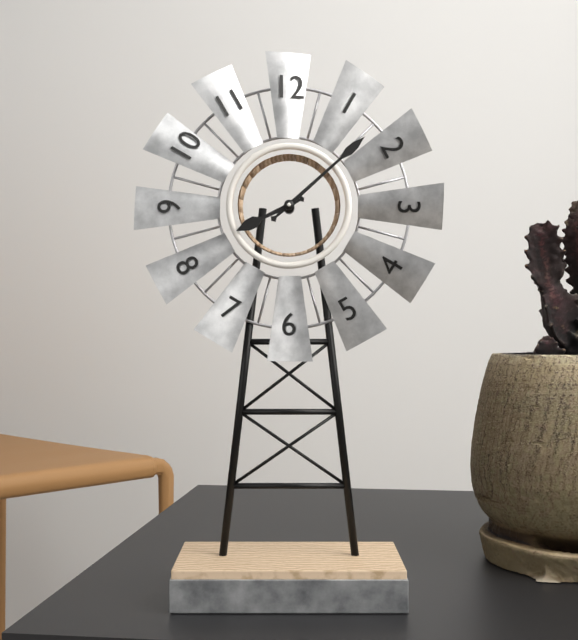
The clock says {"hour": 8, "minute": 8}
